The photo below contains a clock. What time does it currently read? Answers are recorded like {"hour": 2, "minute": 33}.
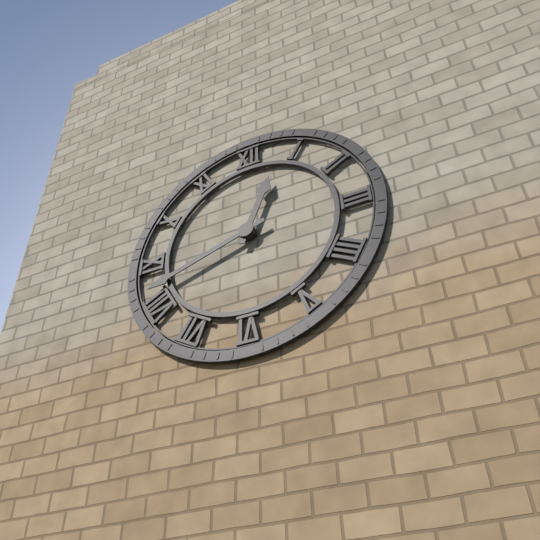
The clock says {"hour": 12, "minute": 42}
